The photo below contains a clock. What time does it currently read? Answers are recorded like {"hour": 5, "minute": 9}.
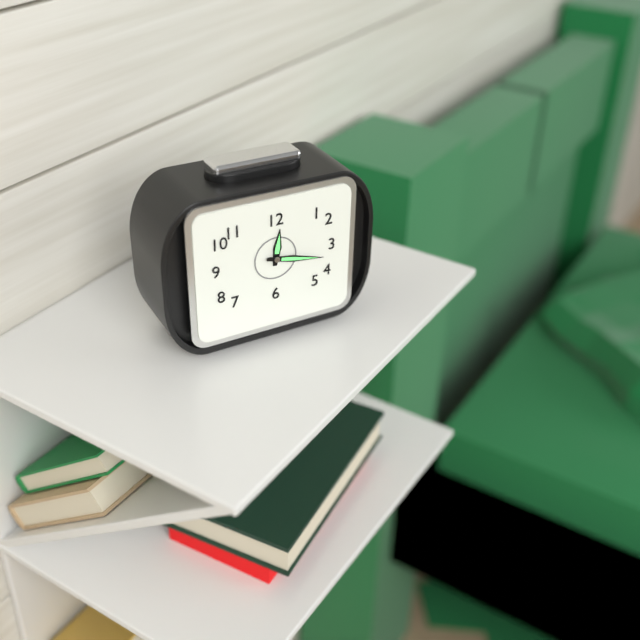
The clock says {"hour": 12, "minute": 17}
